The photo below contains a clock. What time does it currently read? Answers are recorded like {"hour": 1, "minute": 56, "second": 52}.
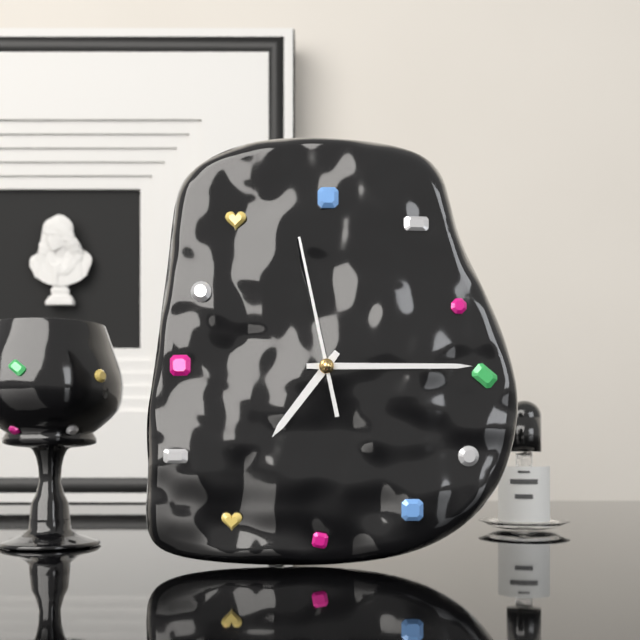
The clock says {"hour": 7, "minute": 15, "second": 58}
